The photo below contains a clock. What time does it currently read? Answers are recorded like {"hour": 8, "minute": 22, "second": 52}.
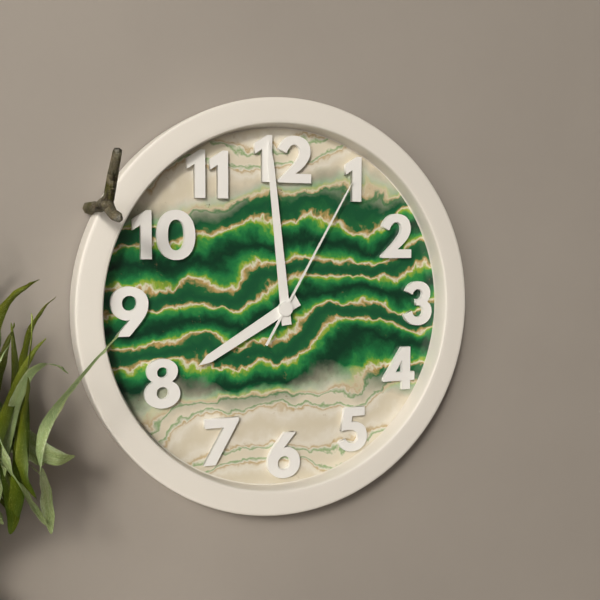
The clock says {"hour": 7, "minute": 59, "second": 5}
